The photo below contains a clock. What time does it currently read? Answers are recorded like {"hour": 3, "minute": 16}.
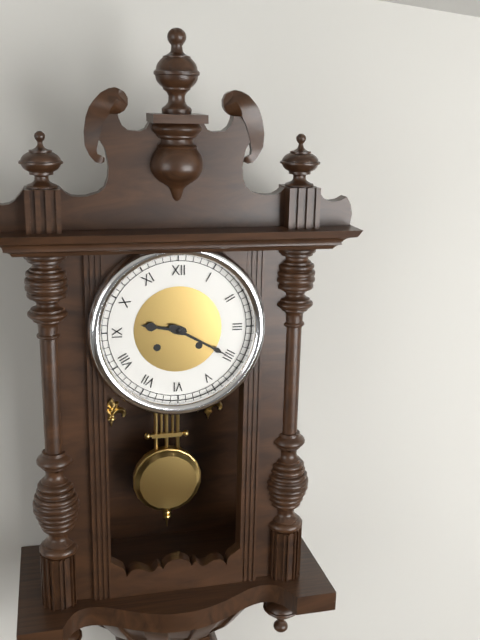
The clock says {"hour": 9, "minute": 20}
